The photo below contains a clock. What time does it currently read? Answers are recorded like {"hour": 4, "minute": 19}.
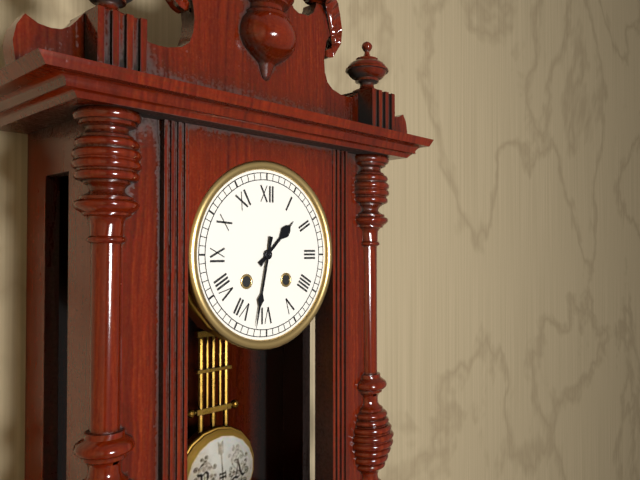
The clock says {"hour": 1, "minute": 32}
